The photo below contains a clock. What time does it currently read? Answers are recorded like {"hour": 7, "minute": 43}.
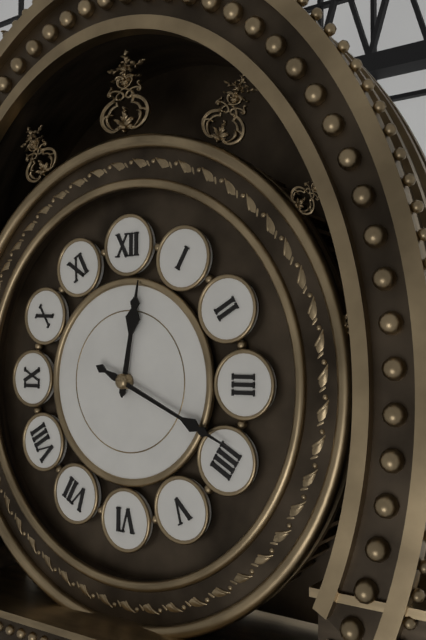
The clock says {"hour": 12, "minute": 19}
